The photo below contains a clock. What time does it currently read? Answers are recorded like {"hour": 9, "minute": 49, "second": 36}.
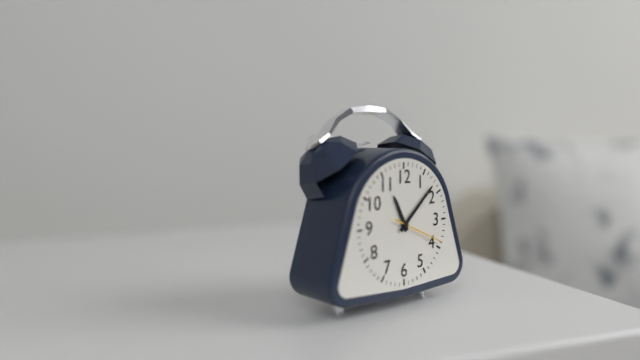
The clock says {"hour": 11, "minute": 8, "second": 19}
